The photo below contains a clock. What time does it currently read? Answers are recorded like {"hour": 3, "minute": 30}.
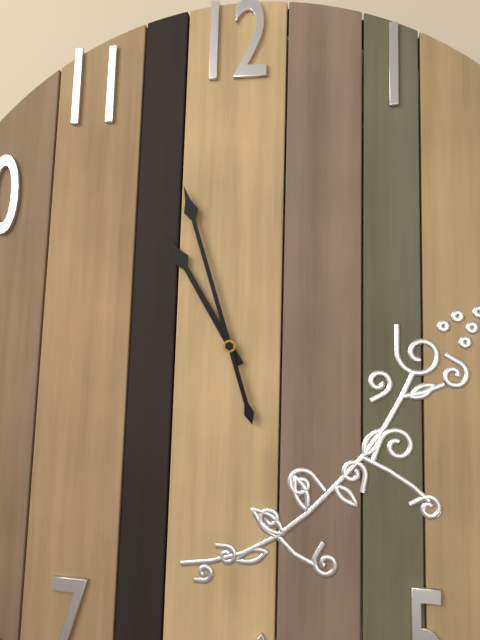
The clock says {"hour": 10, "minute": 57}
